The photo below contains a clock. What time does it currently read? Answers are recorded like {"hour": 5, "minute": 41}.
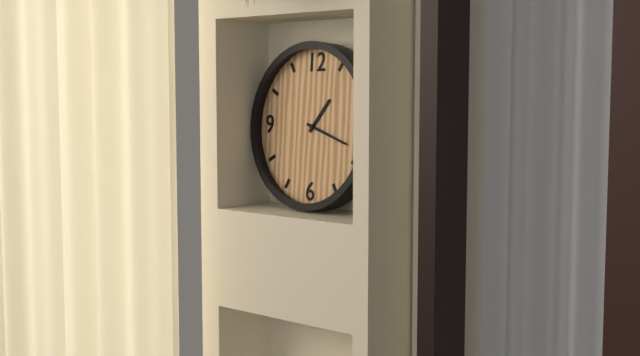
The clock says {"hour": 1, "minute": 18}
